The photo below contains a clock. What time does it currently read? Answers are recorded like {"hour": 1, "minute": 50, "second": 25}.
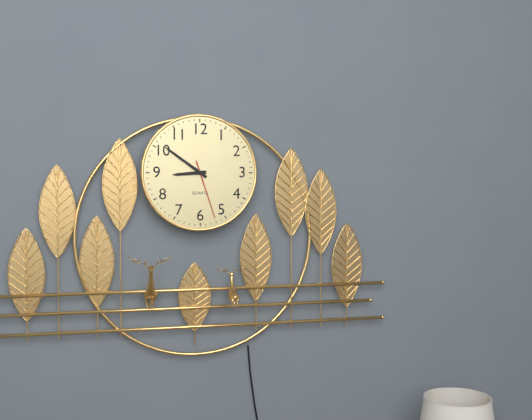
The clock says {"hour": 8, "minute": 51, "second": 27}
